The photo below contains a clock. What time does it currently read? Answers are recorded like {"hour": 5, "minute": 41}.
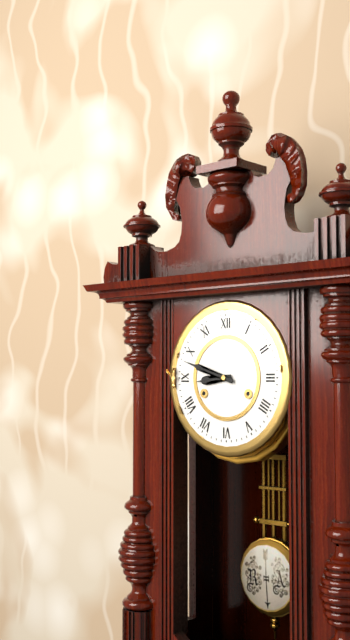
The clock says {"hour": 8, "minute": 48}
